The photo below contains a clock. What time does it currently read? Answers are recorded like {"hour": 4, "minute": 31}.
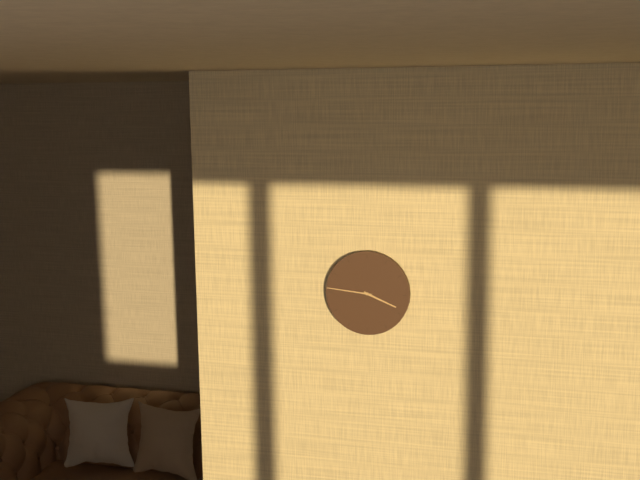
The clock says {"hour": 3, "minute": 46}
